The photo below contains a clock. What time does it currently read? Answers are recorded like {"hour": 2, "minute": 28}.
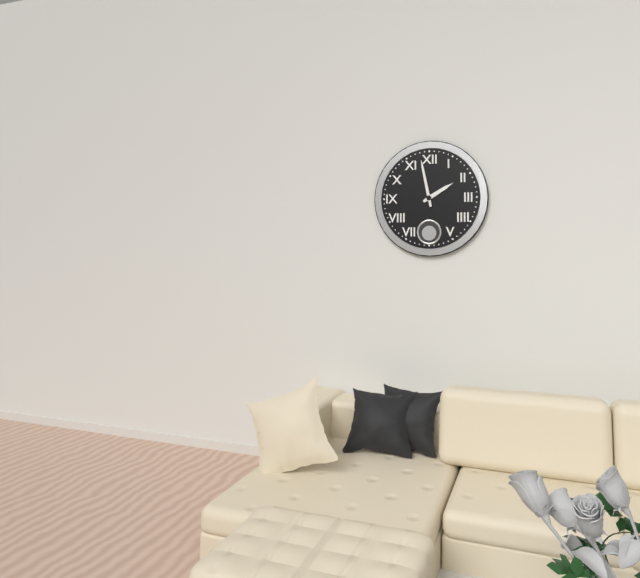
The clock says {"hour": 1, "minute": 58}
